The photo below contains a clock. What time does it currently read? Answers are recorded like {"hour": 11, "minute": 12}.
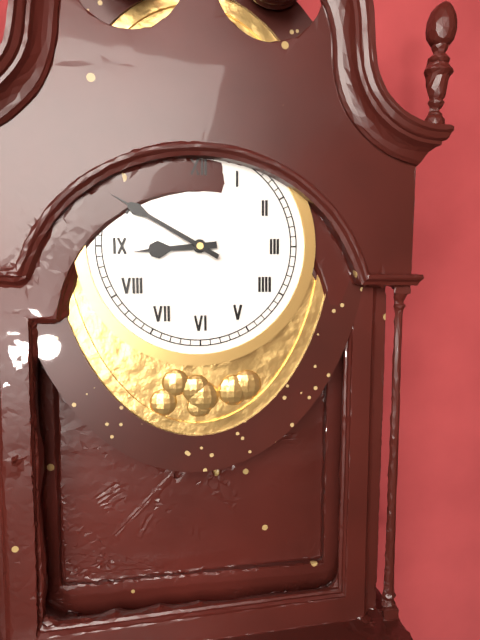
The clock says {"hour": 8, "minute": 50}
